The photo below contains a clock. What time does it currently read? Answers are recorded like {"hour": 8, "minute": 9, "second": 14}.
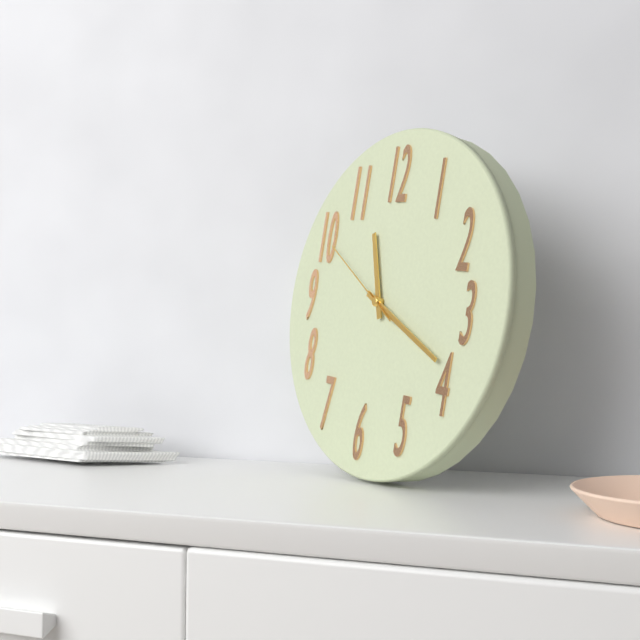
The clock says {"hour": 11, "minute": 19, "second": 50}
